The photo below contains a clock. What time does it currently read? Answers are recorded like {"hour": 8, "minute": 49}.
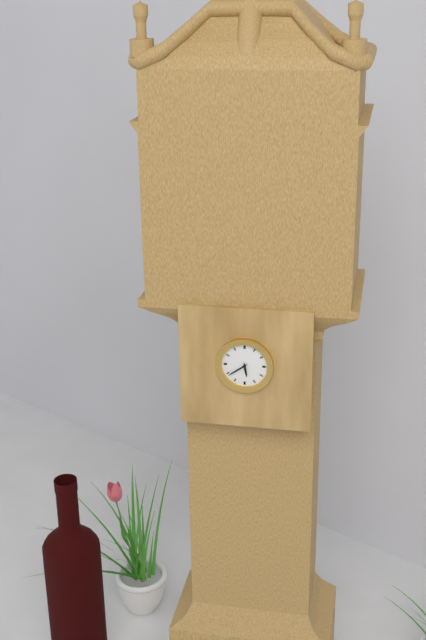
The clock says {"hour": 5, "minute": 39}
